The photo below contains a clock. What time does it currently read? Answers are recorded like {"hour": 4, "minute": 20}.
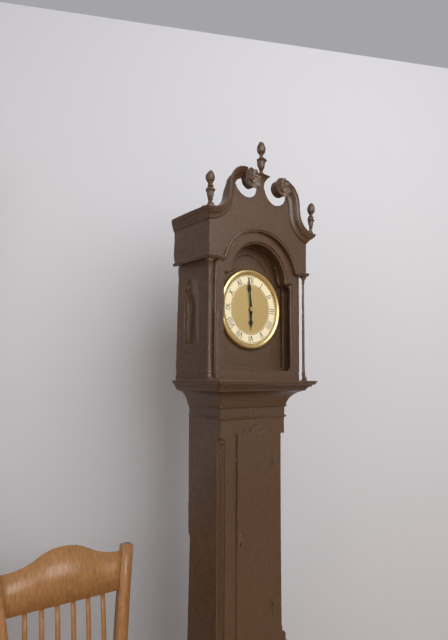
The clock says {"hour": 5, "minute": 59}
